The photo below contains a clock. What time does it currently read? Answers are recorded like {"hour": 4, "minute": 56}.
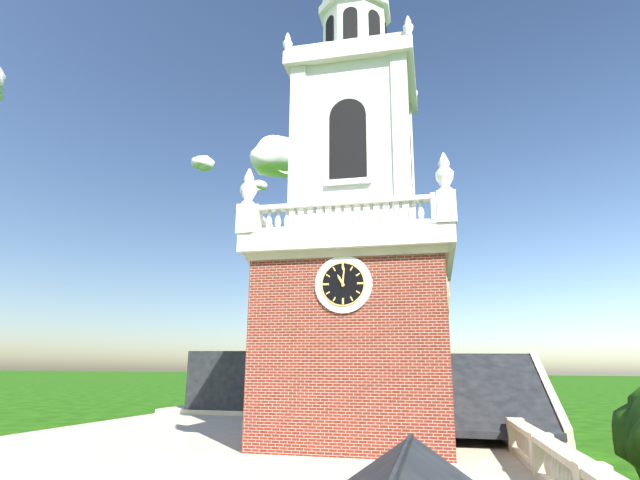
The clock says {"hour": 11, "minute": 1}
